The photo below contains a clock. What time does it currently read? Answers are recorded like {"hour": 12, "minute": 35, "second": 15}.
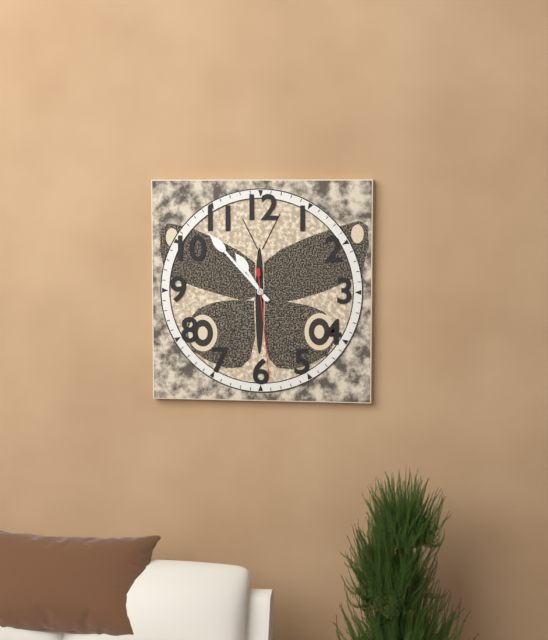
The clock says {"hour": 10, "minute": 53, "second": 29}
